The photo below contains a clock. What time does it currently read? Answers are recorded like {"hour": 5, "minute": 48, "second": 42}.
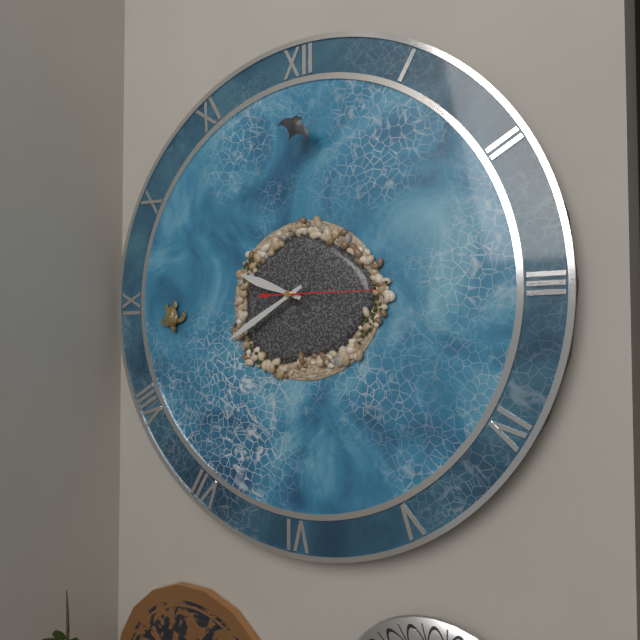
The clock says {"hour": 9, "minute": 40, "second": 15}
